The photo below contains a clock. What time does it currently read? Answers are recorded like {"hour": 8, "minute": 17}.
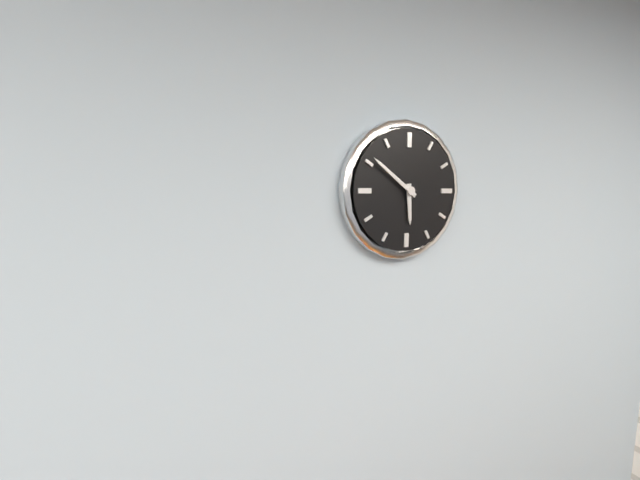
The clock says {"hour": 5, "minute": 51}
